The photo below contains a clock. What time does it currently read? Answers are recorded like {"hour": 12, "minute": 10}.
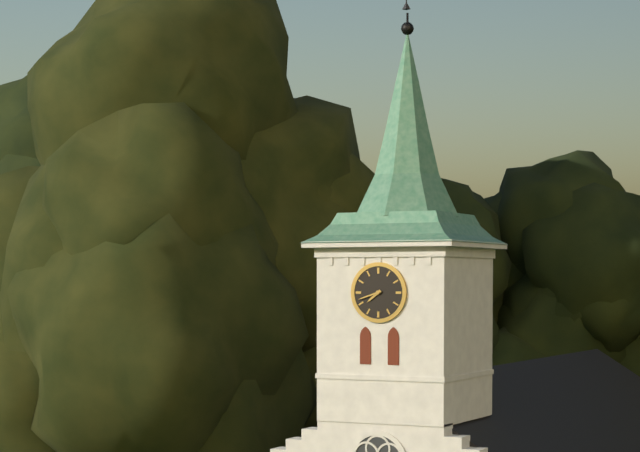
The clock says {"hour": 7, "minute": 42}
